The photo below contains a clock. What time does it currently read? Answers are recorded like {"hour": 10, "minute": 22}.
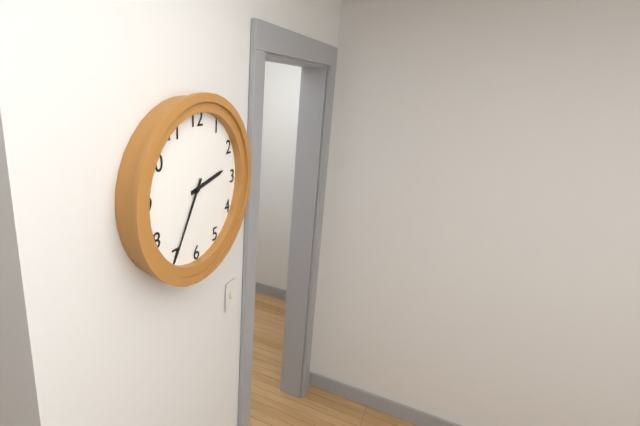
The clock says {"hour": 2, "minute": 35}
